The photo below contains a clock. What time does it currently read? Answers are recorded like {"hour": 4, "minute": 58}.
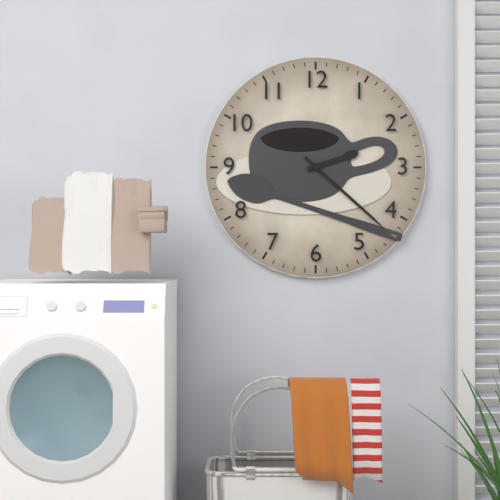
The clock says {"hour": 2, "minute": 22}
